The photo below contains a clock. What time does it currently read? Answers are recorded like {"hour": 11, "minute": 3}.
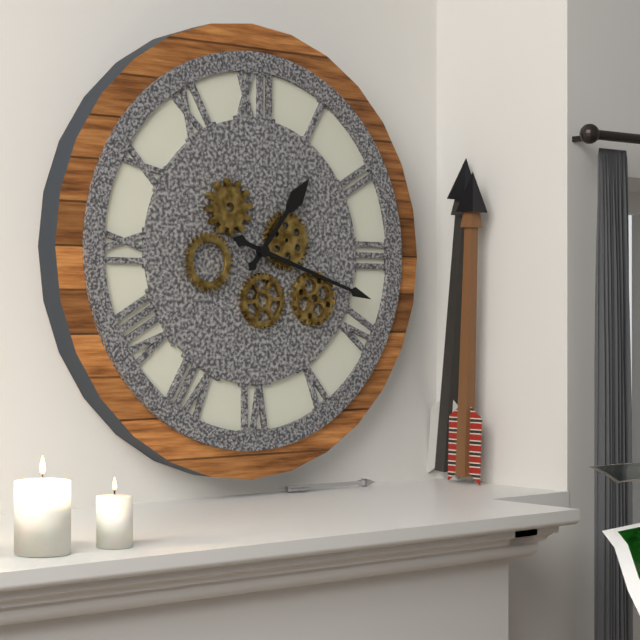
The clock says {"hour": 1, "minute": 18}
